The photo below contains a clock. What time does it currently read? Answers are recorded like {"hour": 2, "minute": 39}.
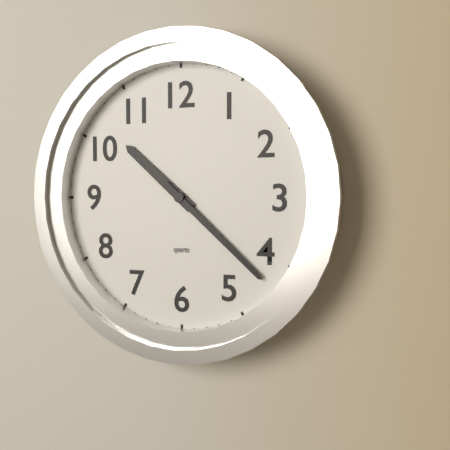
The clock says {"hour": 10, "minute": 22}
